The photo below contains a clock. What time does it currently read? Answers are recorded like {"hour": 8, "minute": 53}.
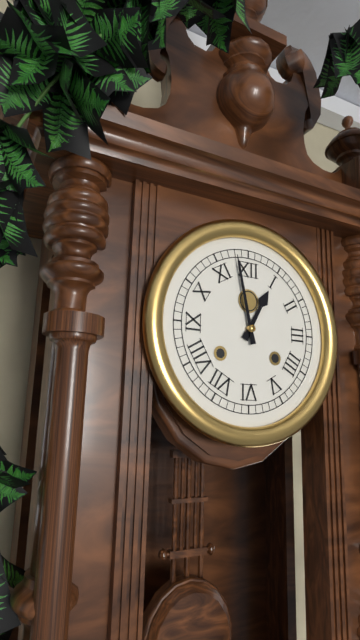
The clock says {"hour": 12, "minute": 58}
